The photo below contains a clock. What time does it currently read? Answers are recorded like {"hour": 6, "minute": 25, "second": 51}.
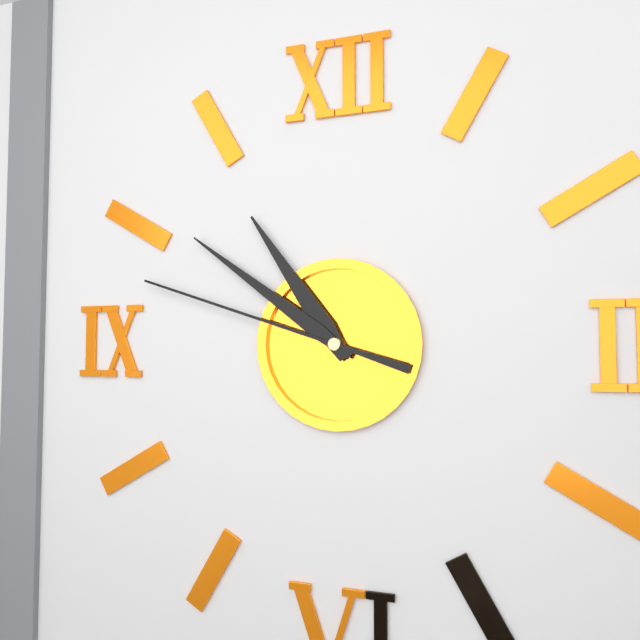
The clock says {"hour": 10, "minute": 51, "second": 48}
